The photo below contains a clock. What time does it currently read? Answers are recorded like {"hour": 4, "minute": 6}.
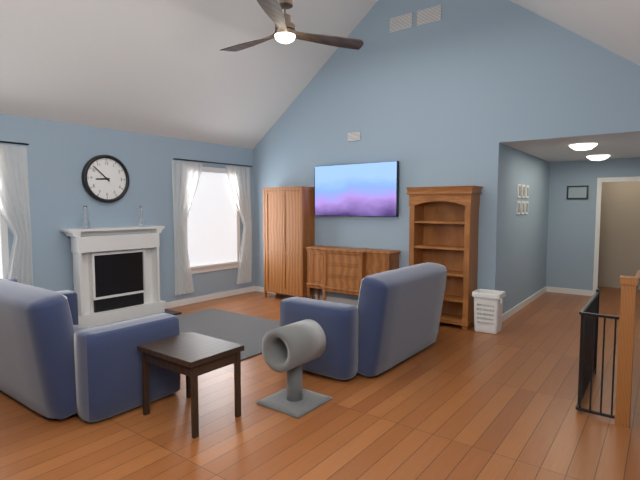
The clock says {"hour": 8, "minute": 52}
